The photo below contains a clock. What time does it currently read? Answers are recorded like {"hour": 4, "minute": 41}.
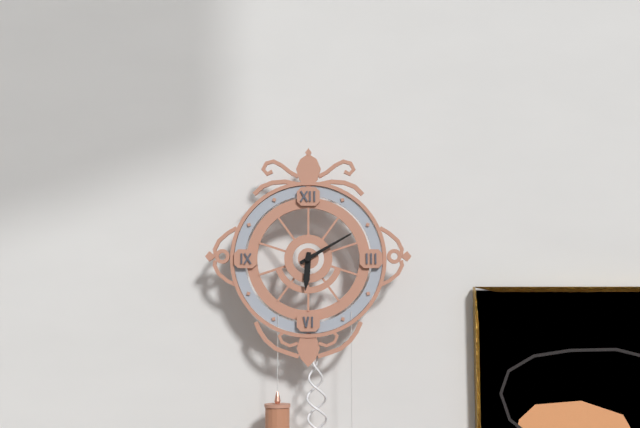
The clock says {"hour": 6, "minute": 10}
